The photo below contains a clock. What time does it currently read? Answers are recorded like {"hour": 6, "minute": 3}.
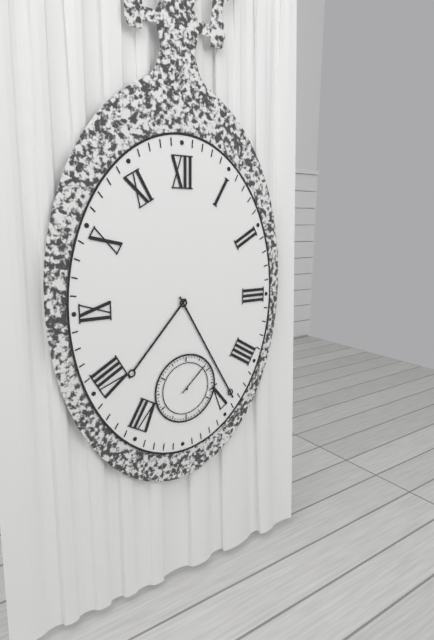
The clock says {"hour": 7, "minute": 25}
